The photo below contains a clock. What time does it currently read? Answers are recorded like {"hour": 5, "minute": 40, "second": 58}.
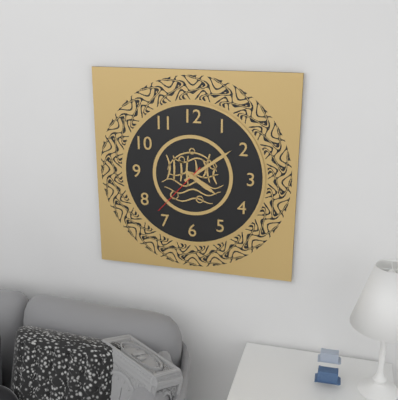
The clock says {"hour": 4, "minute": 9, "second": 37}
